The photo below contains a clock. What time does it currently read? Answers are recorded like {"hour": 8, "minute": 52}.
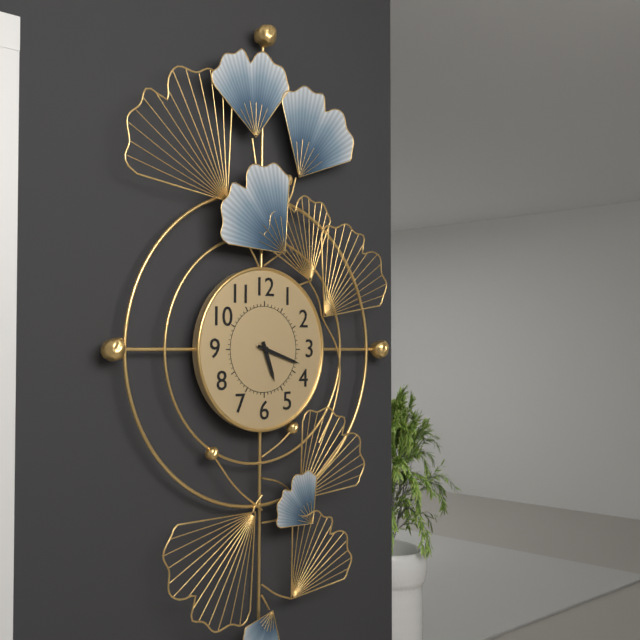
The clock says {"hour": 5, "minute": 18}
